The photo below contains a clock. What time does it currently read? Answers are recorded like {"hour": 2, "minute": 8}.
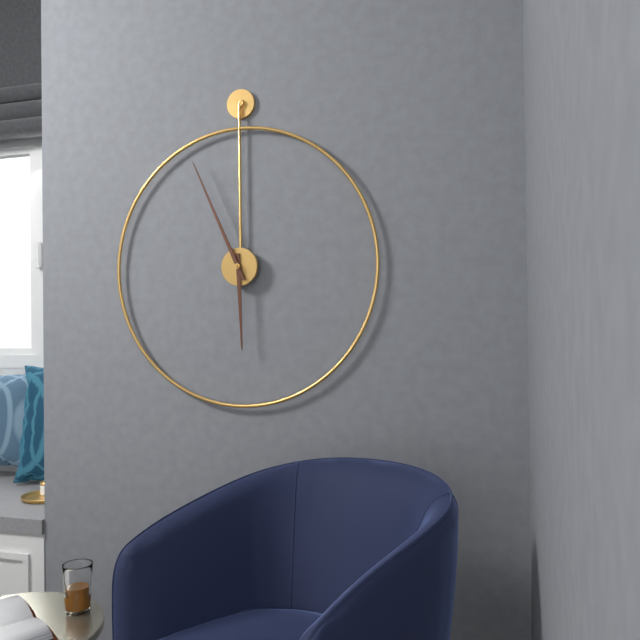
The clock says {"hour": 5, "minute": 56}
